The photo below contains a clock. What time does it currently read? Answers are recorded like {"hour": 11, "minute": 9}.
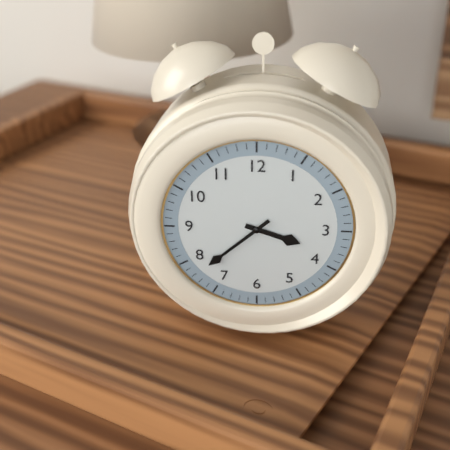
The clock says {"hour": 3, "minute": 38}
